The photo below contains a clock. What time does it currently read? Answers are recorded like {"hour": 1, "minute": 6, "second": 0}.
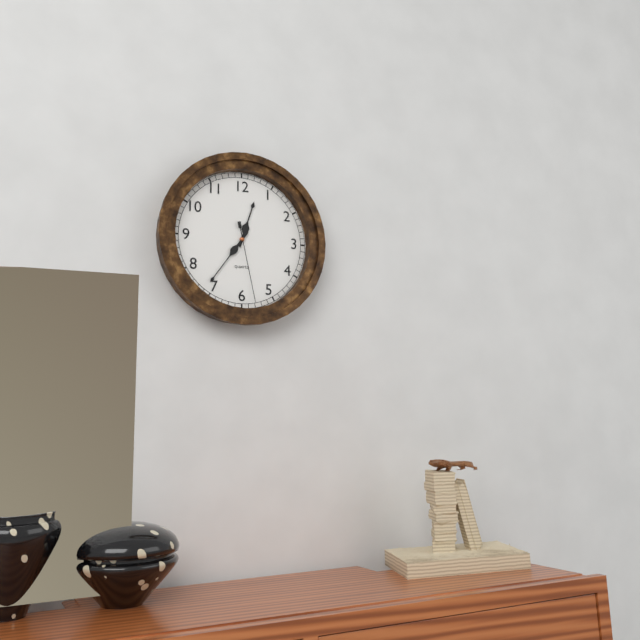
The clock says {"hour": 12, "minute": 36, "second": 28}
